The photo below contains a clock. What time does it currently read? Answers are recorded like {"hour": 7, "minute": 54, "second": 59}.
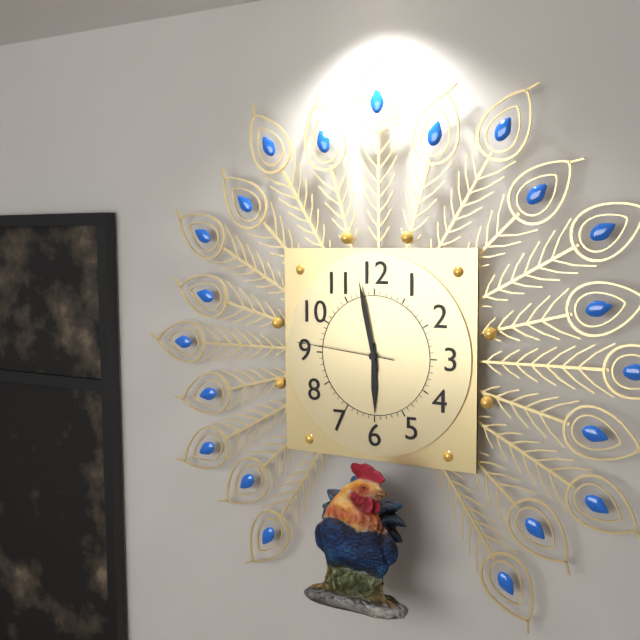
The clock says {"hour": 5, "minute": 58, "second": 46}
